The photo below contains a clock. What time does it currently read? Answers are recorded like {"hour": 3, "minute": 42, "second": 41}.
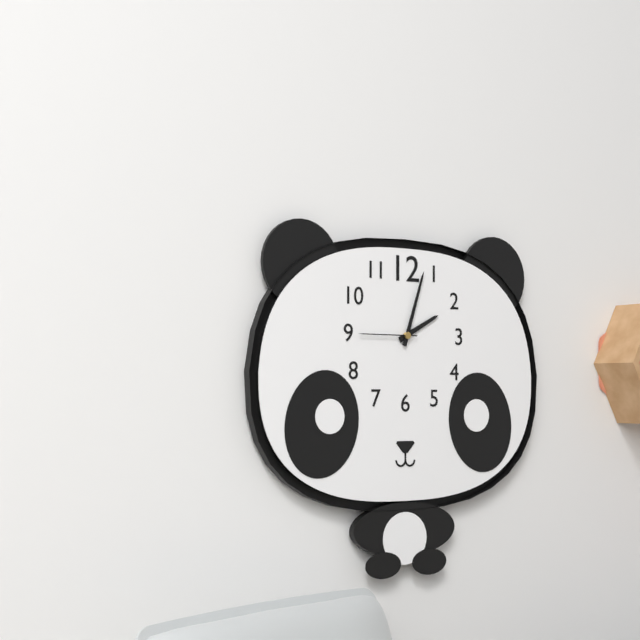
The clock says {"hour": 2, "minute": 3, "second": 45}
